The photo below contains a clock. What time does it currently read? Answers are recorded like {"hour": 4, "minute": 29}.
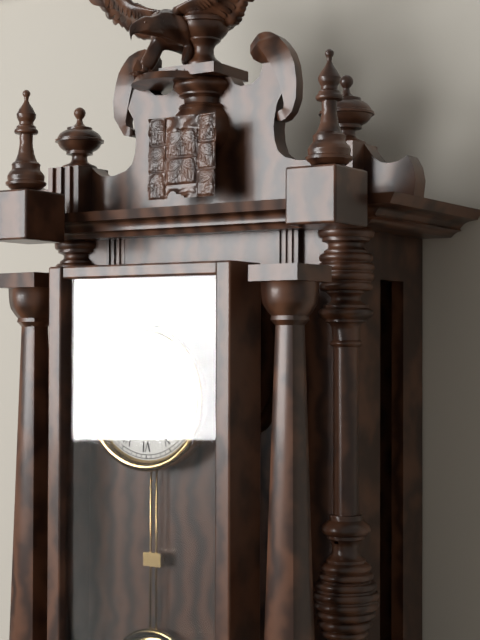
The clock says {"hour": 1, "minute": 41}
